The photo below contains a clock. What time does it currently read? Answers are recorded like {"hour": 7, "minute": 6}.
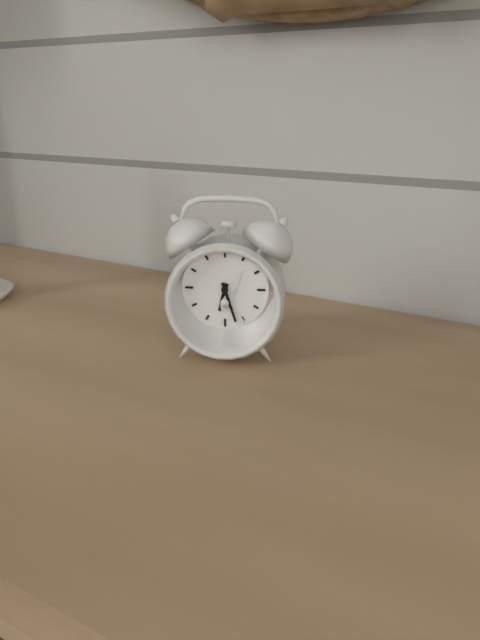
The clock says {"hour": 6, "minute": 27}
